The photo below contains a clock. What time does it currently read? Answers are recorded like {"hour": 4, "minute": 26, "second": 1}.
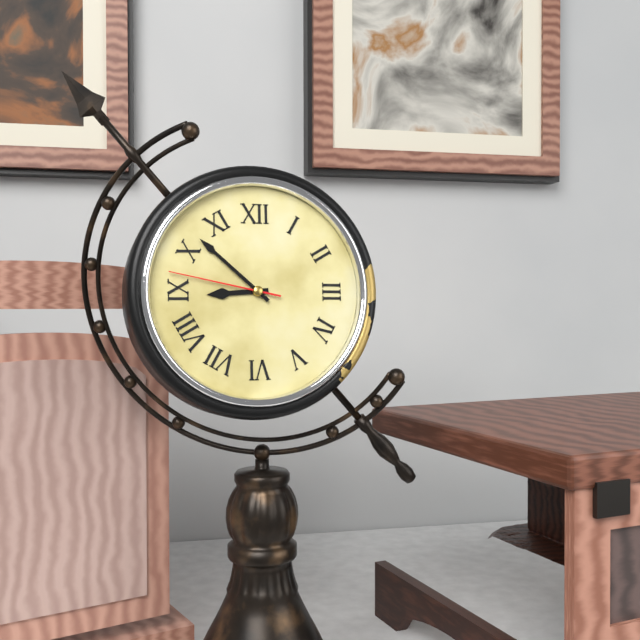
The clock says {"hour": 8, "minute": 52, "second": 47}
